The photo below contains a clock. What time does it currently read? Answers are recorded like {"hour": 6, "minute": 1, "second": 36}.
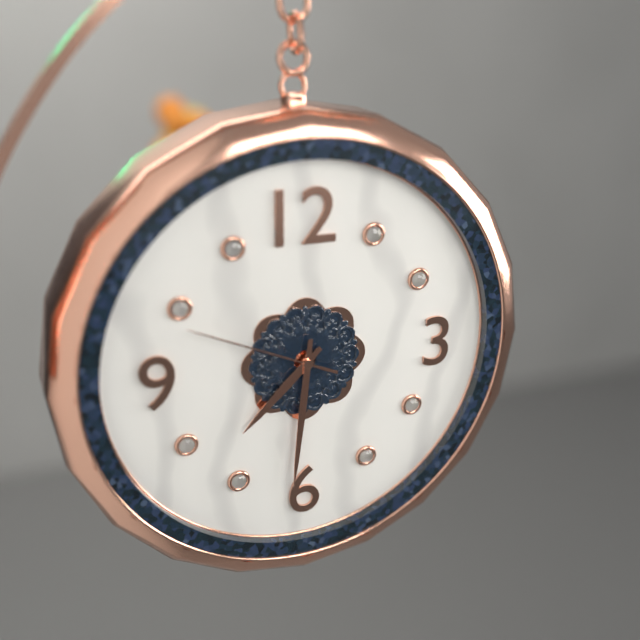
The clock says {"hour": 7, "minute": 31, "second": 49}
